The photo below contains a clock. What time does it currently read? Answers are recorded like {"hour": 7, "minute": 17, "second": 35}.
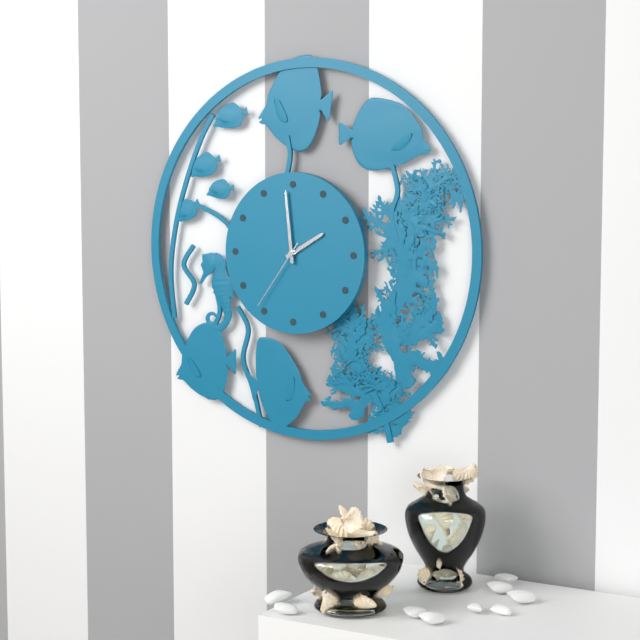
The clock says {"hour": 1, "minute": 59, "second": 36}
